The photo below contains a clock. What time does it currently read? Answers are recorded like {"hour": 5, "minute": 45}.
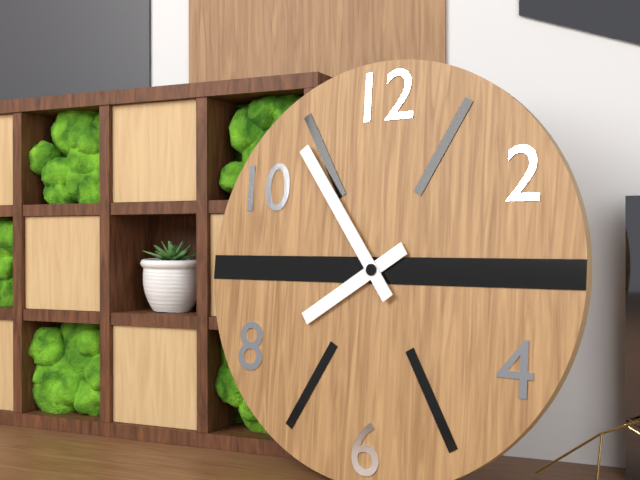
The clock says {"hour": 7, "minute": 54}
